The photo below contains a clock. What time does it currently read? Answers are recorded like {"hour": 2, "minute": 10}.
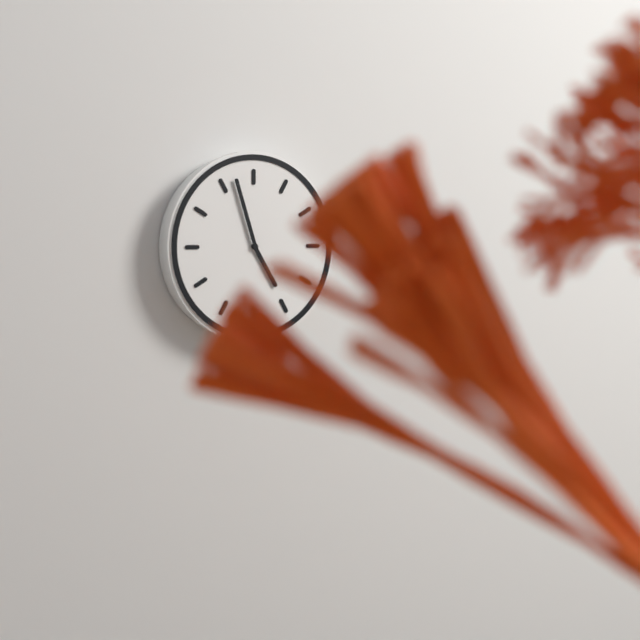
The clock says {"hour": 4, "minute": 57}
